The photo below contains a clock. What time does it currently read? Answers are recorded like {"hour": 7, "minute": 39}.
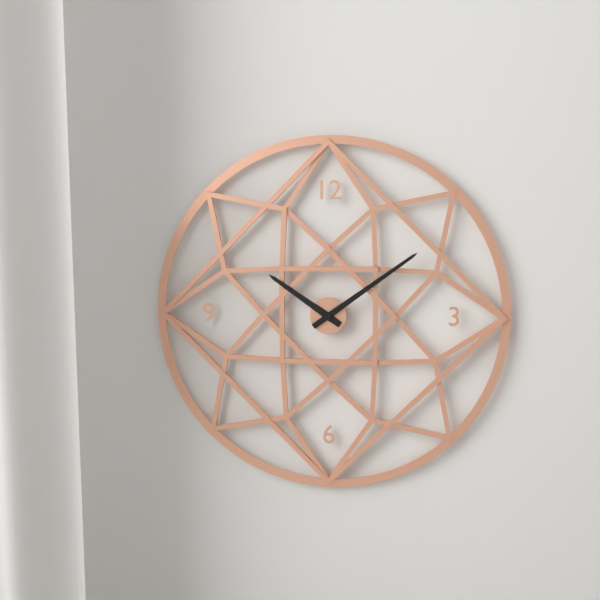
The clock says {"hour": 10, "minute": 9}
